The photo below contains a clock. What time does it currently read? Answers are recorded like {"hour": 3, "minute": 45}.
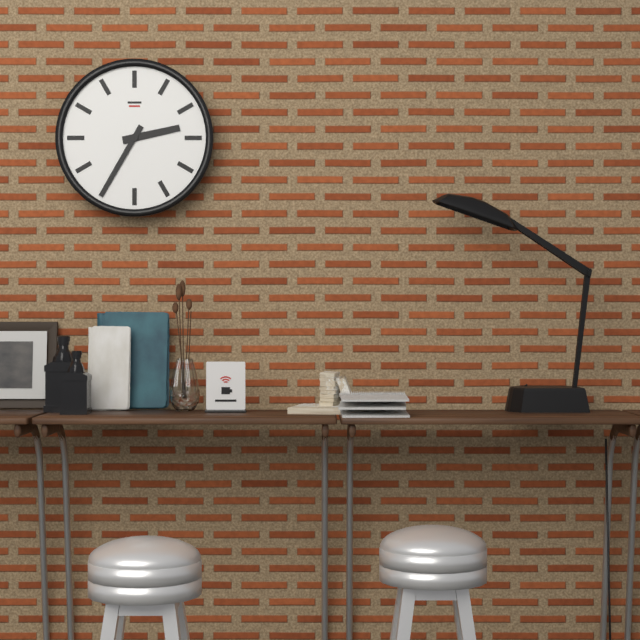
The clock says {"hour": 2, "minute": 35}
